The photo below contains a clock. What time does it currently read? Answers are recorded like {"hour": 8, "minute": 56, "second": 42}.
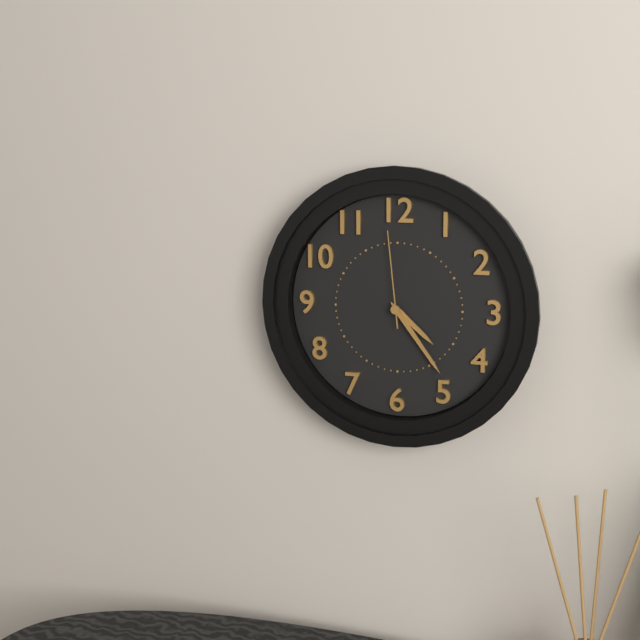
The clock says {"hour": 4, "minute": 24, "second": 59}
